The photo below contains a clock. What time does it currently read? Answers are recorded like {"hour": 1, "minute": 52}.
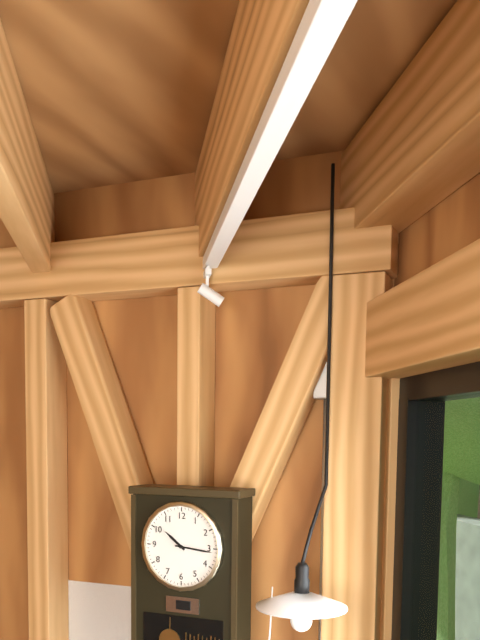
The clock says {"hour": 10, "minute": 16}
